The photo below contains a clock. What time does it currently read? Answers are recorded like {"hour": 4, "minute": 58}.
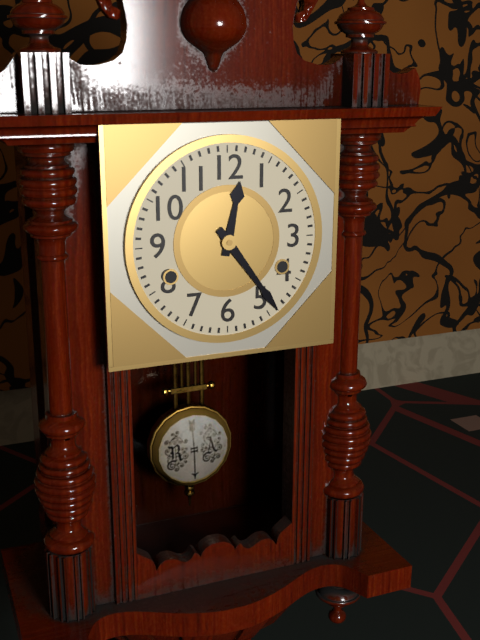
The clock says {"hour": 12, "minute": 24}
